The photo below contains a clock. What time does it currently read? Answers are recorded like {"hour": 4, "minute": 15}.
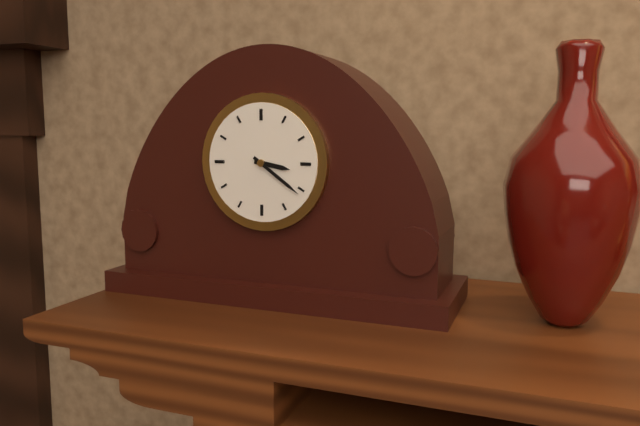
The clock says {"hour": 3, "minute": 21}
